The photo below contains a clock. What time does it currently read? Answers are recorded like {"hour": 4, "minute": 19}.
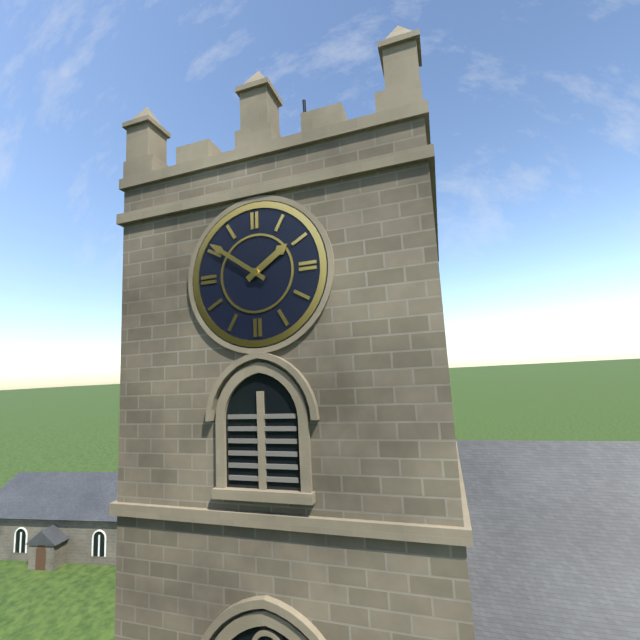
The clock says {"hour": 1, "minute": 51}
